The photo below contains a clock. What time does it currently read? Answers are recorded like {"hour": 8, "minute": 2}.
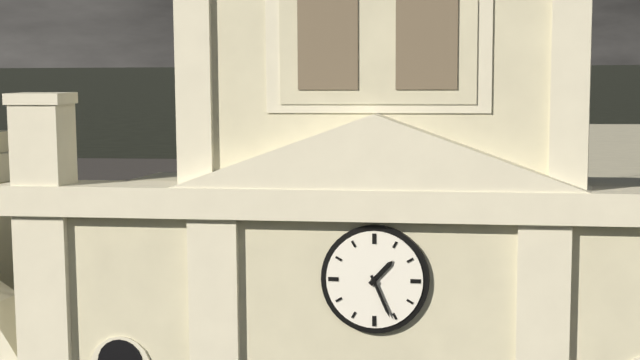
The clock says {"hour": 1, "minute": 26}
